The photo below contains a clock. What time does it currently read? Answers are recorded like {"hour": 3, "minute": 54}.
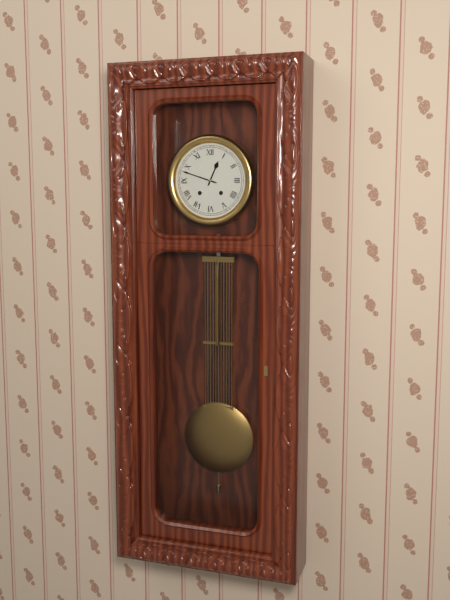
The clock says {"hour": 12, "minute": 48}
